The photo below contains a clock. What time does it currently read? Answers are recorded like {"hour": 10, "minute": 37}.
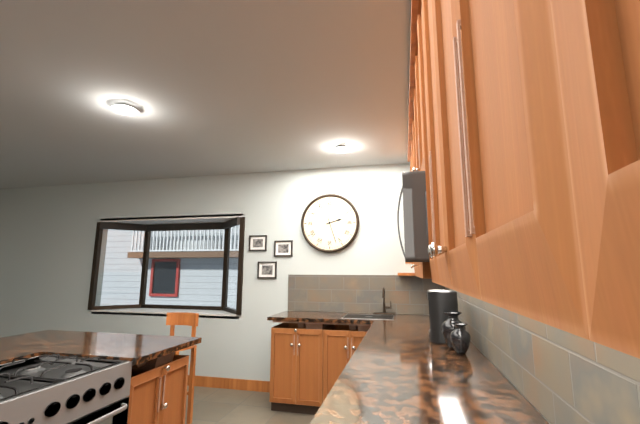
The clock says {"hour": 2, "minute": 27}
